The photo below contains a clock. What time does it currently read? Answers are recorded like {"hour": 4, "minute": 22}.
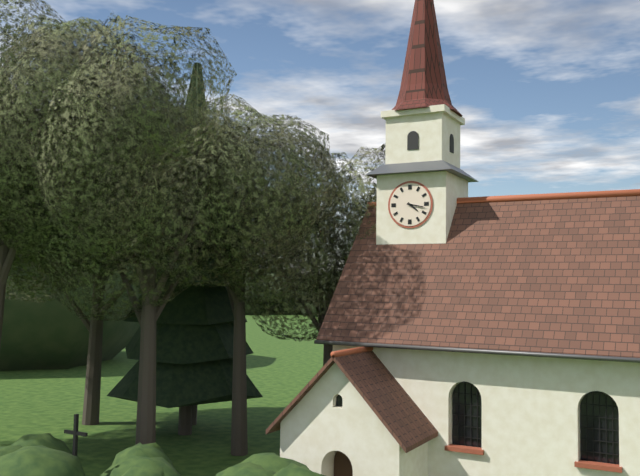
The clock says {"hour": 4, "minute": 17}
